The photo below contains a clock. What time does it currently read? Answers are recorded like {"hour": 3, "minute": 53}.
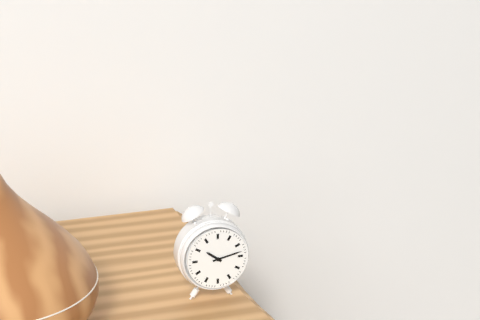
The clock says {"hour": 10, "minute": 13}
